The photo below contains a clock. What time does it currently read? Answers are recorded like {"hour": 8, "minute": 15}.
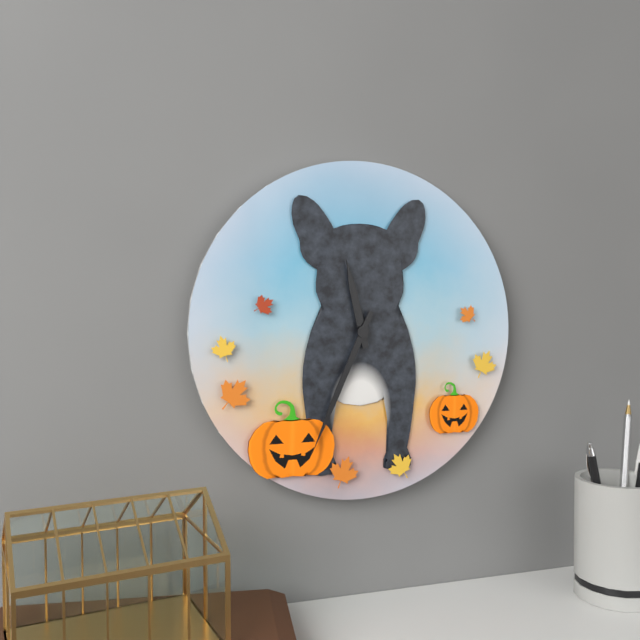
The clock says {"hour": 11, "minute": 34}
